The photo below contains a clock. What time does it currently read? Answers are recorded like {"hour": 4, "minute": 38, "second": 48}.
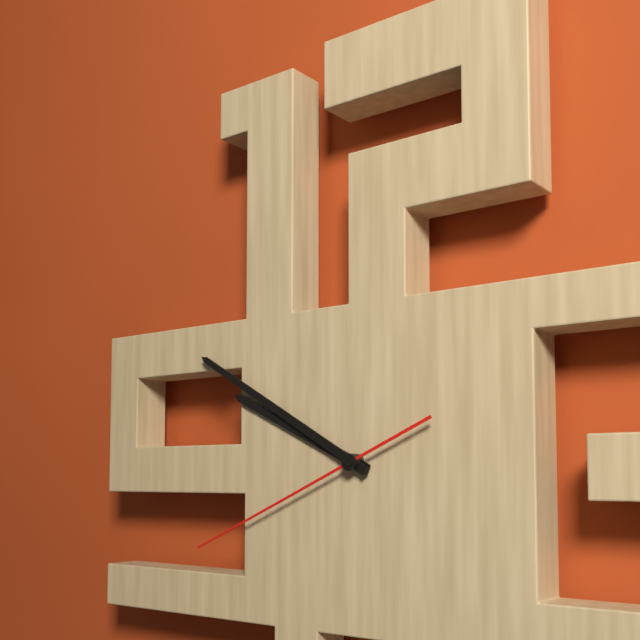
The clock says {"hour": 9, "minute": 50, "second": 41}
